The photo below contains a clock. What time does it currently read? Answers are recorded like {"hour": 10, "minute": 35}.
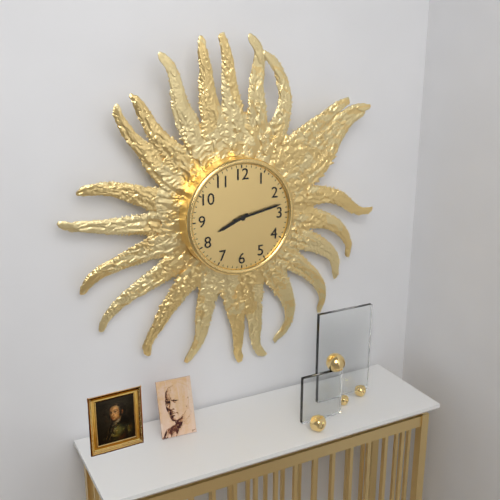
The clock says {"hour": 8, "minute": 13}
